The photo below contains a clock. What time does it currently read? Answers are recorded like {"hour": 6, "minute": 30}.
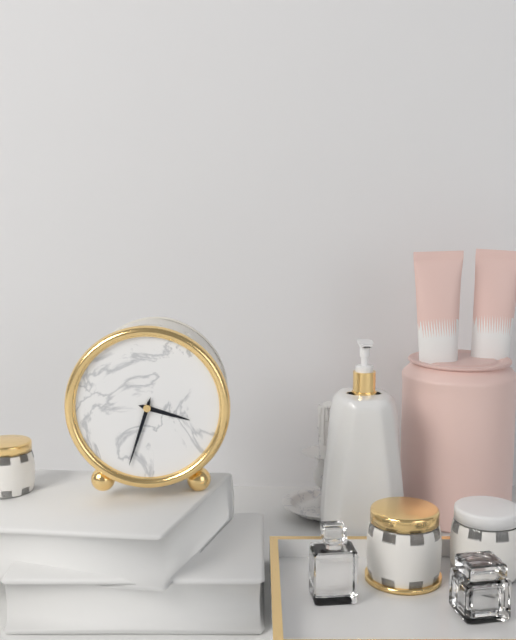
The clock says {"hour": 3, "minute": 33}
